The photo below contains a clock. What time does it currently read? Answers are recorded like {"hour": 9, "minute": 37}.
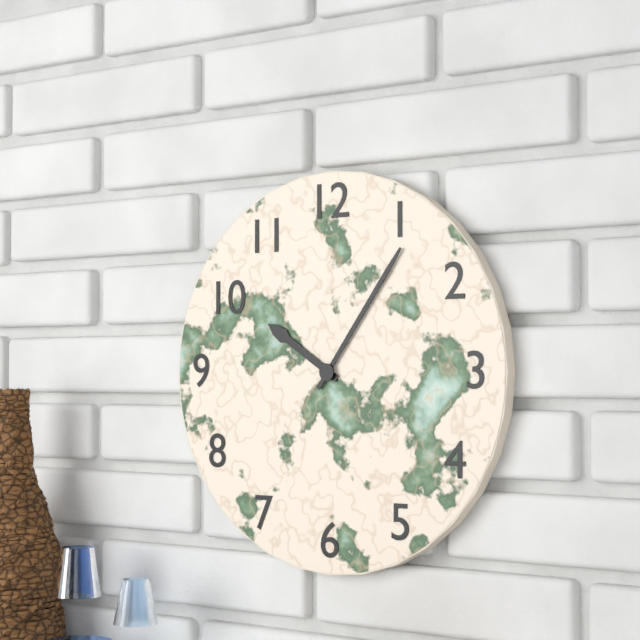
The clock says {"hour": 10, "minute": 6}
